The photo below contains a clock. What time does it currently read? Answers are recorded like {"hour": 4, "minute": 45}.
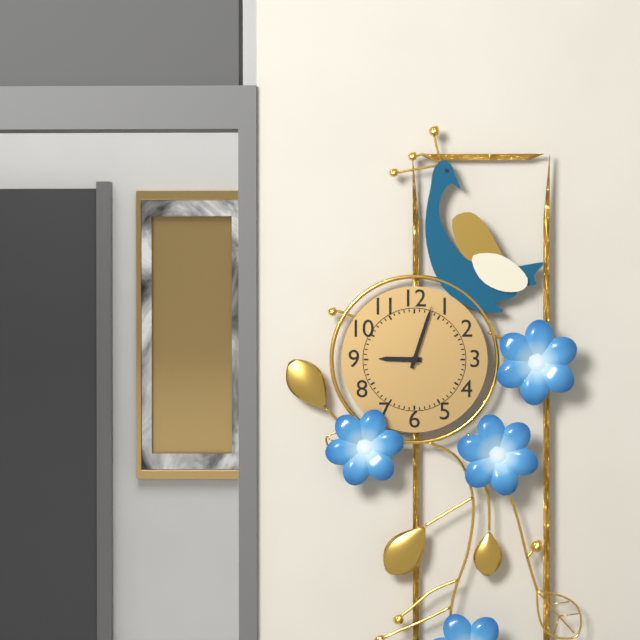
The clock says {"hour": 9, "minute": 3}
